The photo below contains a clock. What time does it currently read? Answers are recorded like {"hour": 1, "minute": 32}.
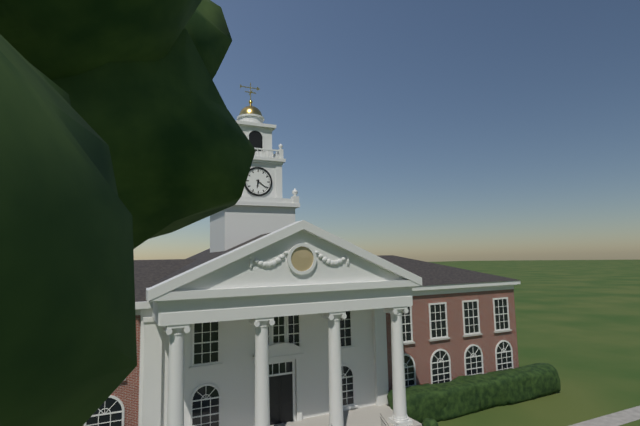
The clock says {"hour": 6, "minute": 21}
